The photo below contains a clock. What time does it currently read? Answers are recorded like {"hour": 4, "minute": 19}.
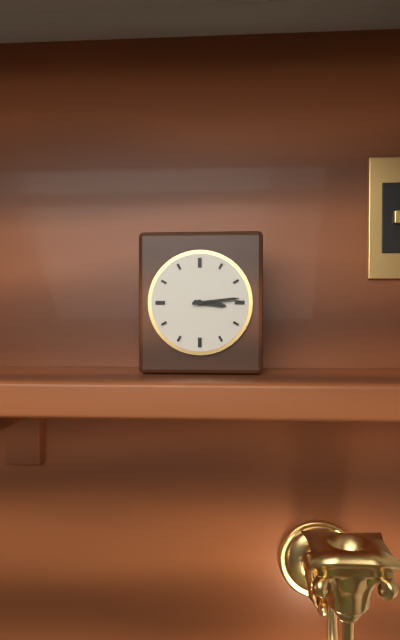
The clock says {"hour": 3, "minute": 14}
